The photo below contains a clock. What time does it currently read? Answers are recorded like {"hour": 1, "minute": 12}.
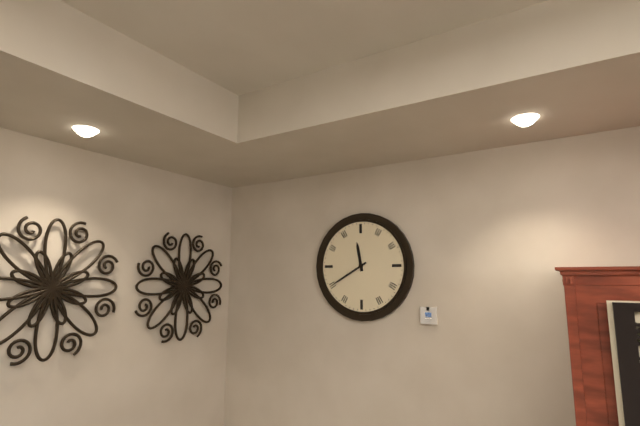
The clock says {"hour": 11, "minute": 40}
